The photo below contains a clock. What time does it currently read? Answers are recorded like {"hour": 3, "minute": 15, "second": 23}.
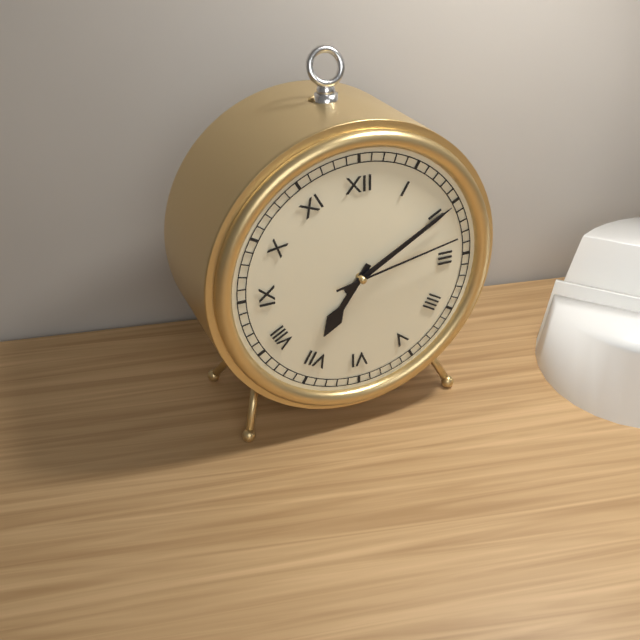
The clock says {"hour": 7, "minute": 10, "second": 13}
